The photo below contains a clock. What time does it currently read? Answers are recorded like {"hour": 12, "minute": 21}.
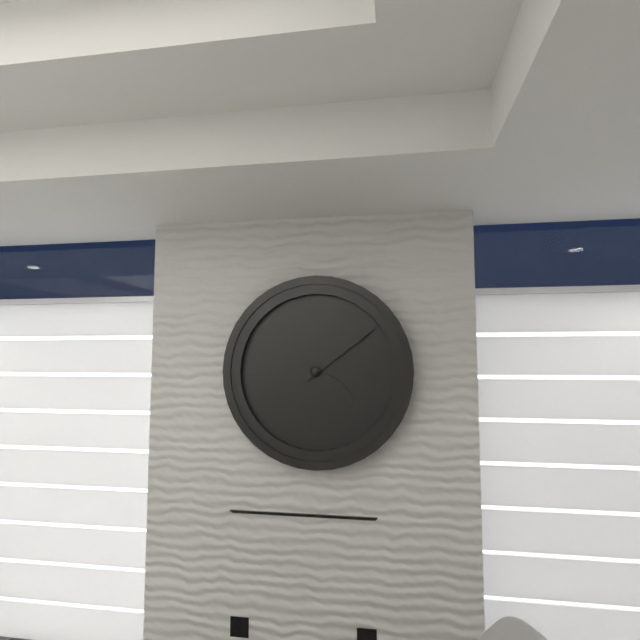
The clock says {"hour": 4, "minute": 9}
